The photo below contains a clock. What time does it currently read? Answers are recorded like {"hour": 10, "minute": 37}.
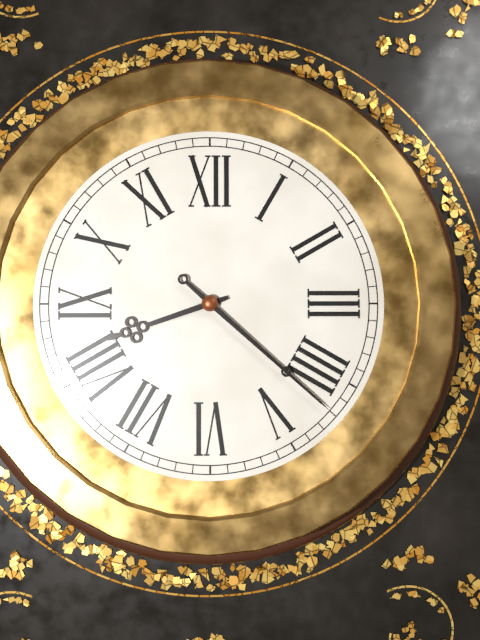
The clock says {"hour": 8, "minute": 22}
